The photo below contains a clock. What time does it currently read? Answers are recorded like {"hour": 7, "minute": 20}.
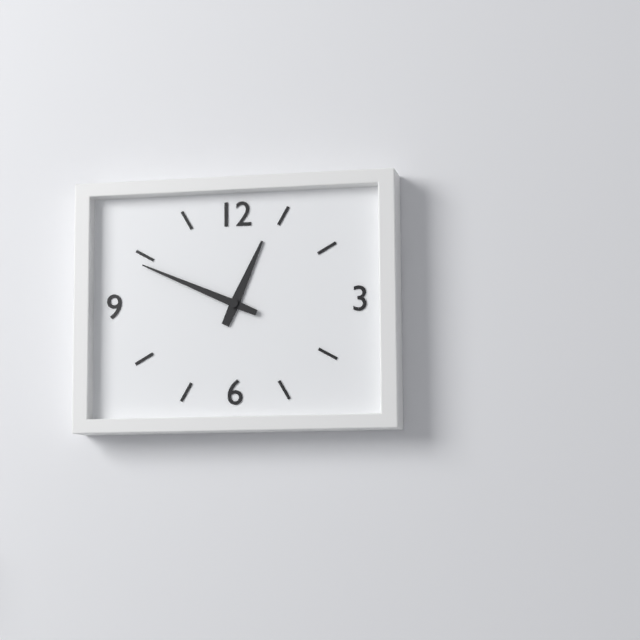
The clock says {"hour": 12, "minute": 49}
